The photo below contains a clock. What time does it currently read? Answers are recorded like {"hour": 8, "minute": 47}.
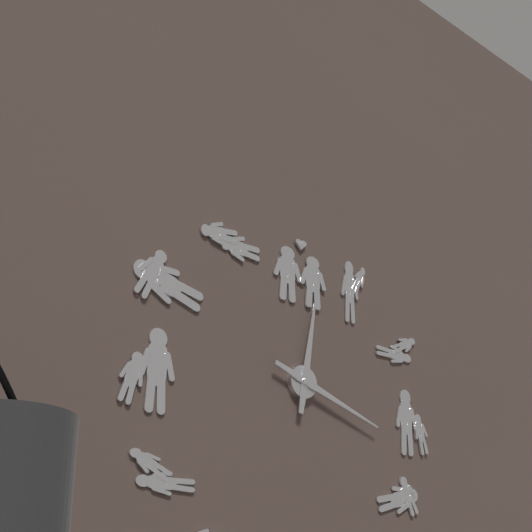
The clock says {"hour": 12, "minute": 18}
